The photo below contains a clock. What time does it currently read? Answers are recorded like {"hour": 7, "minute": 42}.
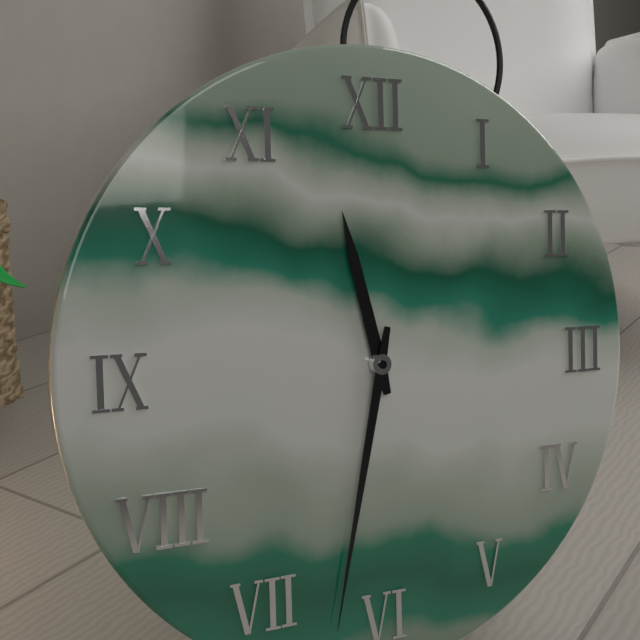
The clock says {"hour": 11, "minute": 32}
